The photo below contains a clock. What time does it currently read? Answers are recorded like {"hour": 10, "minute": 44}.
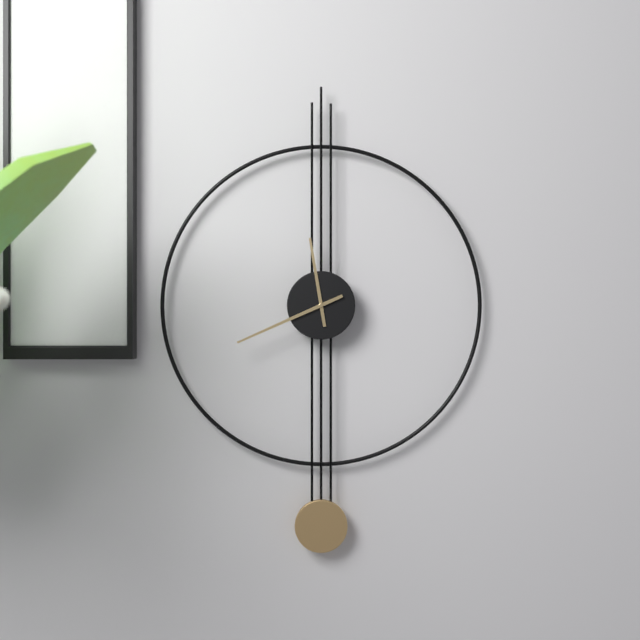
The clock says {"hour": 11, "minute": 41}
